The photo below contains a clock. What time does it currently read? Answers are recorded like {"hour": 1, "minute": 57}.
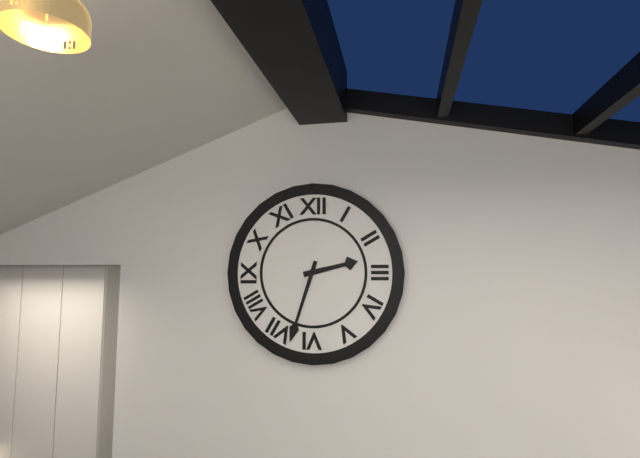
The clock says {"hour": 2, "minute": 33}
